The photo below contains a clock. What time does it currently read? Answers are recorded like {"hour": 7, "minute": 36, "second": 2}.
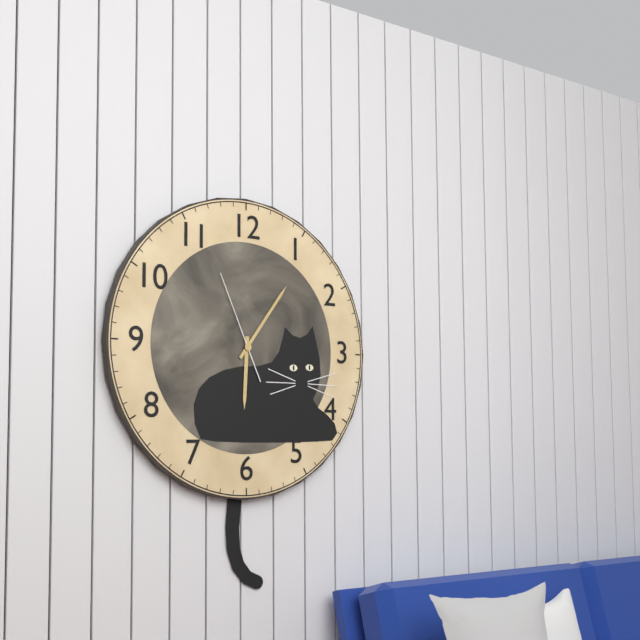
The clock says {"hour": 6, "minute": 6, "second": 56}
